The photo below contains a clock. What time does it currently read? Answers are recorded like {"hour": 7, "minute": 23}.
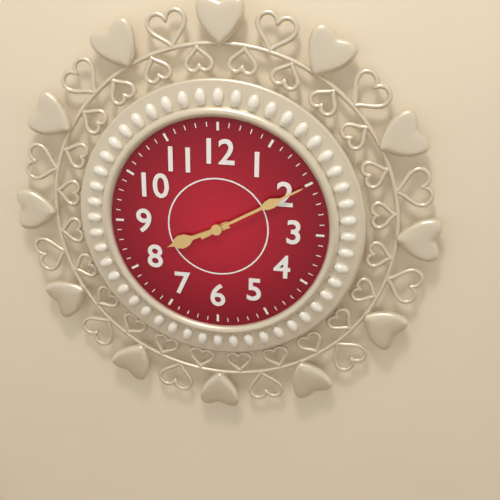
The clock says {"hour": 8, "minute": 10}
